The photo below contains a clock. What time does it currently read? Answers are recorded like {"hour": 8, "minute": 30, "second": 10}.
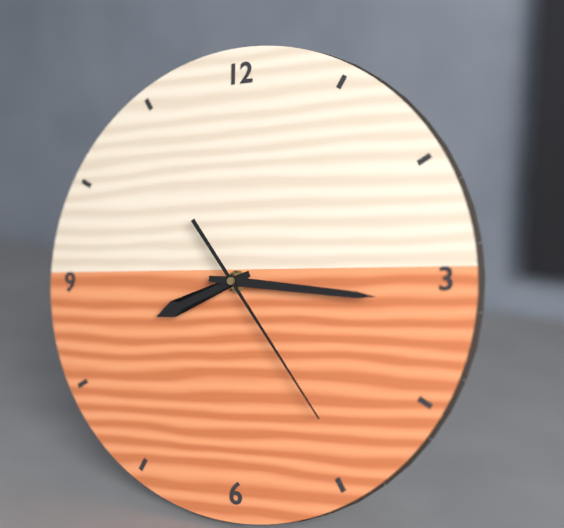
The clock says {"hour": 8, "minute": 16, "second": 24}
